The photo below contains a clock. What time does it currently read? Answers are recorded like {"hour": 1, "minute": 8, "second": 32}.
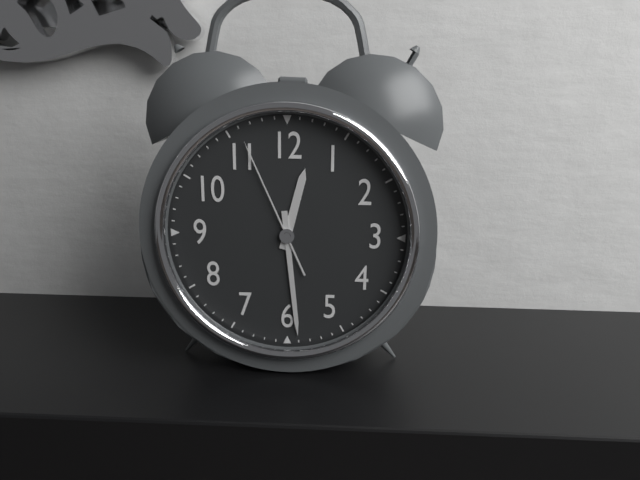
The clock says {"hour": 12, "minute": 29, "second": 56}
